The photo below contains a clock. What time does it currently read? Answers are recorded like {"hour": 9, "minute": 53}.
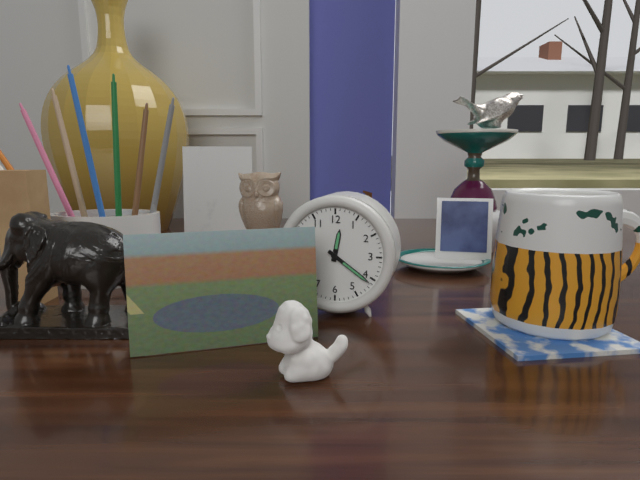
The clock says {"hour": 12, "minute": 21}
